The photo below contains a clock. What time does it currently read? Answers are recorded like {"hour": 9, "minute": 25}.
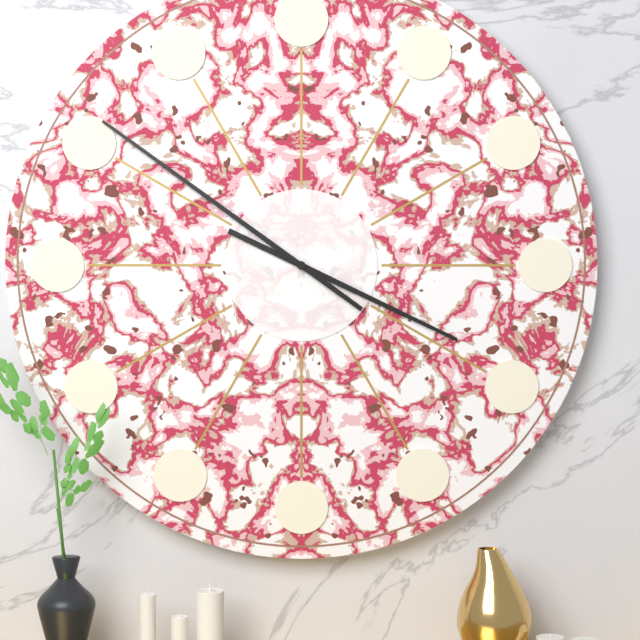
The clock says {"hour": 3, "minute": 51}
